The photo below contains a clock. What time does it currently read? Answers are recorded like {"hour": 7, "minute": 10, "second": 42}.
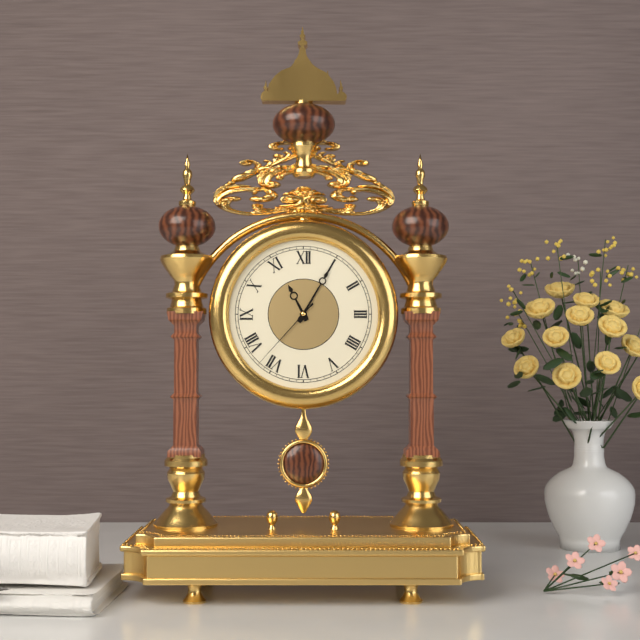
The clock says {"hour": 11, "minute": 5, "second": 37}
